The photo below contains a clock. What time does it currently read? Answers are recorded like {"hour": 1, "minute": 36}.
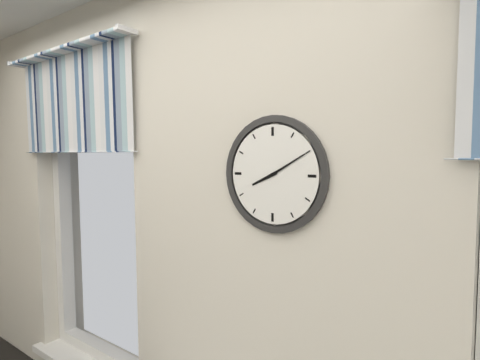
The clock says {"hour": 8, "minute": 10}
